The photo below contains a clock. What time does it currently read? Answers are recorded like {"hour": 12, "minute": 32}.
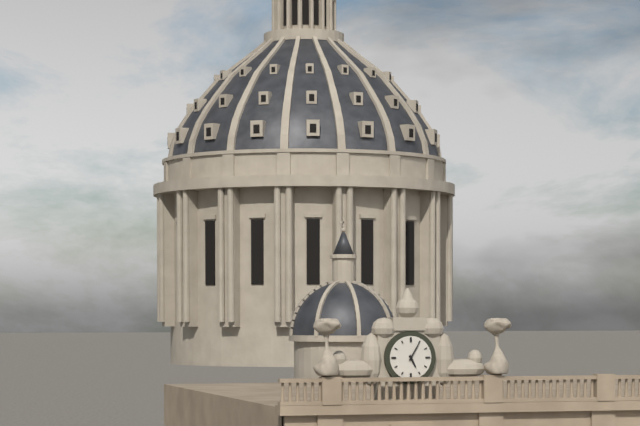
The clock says {"hour": 5, "minute": 5}
